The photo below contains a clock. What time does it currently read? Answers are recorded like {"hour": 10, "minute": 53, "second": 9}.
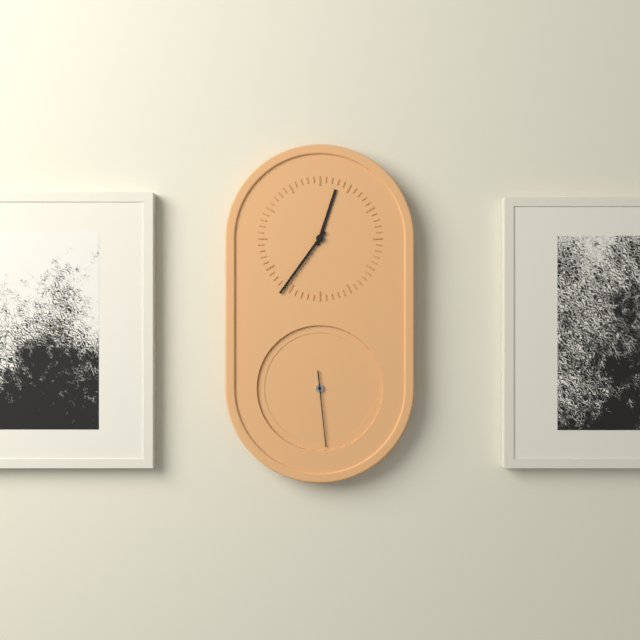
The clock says {"hour": 12, "minute": 36, "second": 29}
